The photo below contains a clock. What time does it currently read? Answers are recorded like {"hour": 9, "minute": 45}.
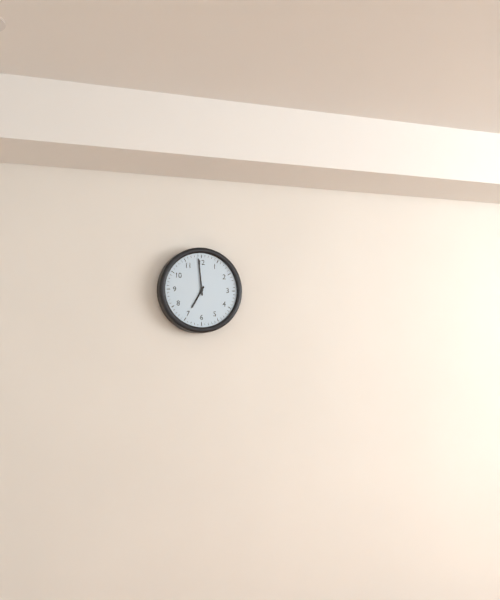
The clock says {"hour": 6, "minute": 59}
